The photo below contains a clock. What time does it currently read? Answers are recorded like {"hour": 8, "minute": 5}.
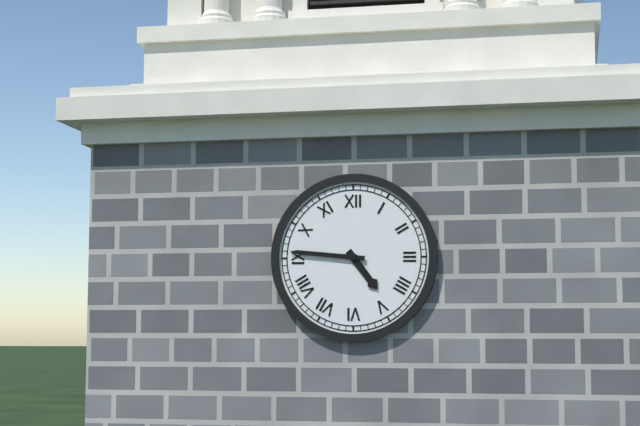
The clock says {"hour": 4, "minute": 46}
